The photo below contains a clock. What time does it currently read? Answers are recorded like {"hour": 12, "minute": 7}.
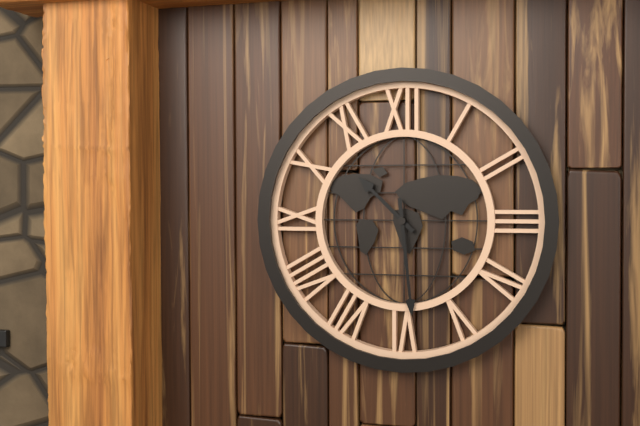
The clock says {"hour": 10, "minute": 29}
